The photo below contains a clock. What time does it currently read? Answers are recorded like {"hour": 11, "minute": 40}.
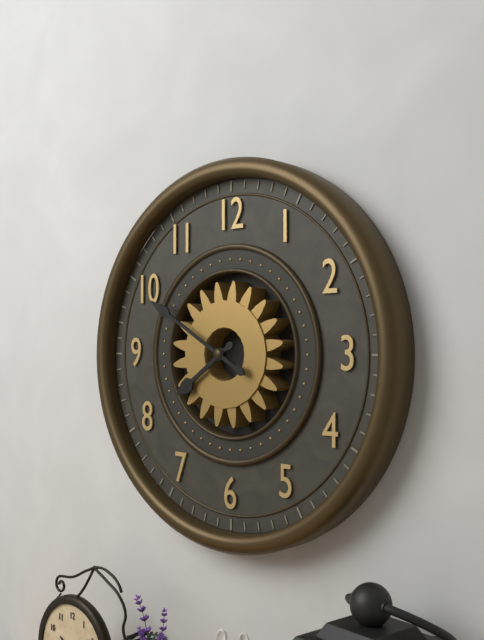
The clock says {"hour": 7, "minute": 50}
